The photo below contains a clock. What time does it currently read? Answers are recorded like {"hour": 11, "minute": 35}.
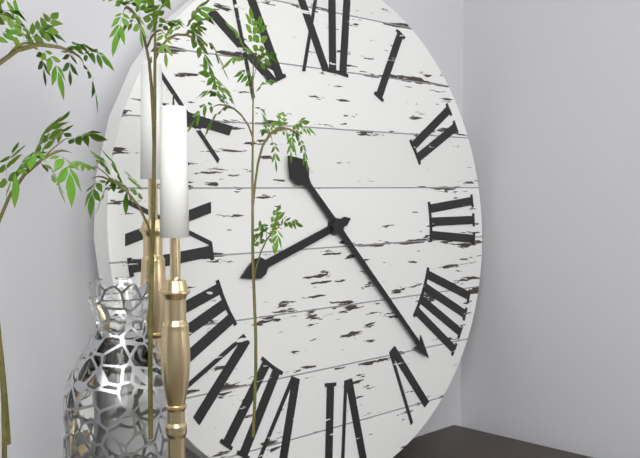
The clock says {"hour": 8, "minute": 23}
